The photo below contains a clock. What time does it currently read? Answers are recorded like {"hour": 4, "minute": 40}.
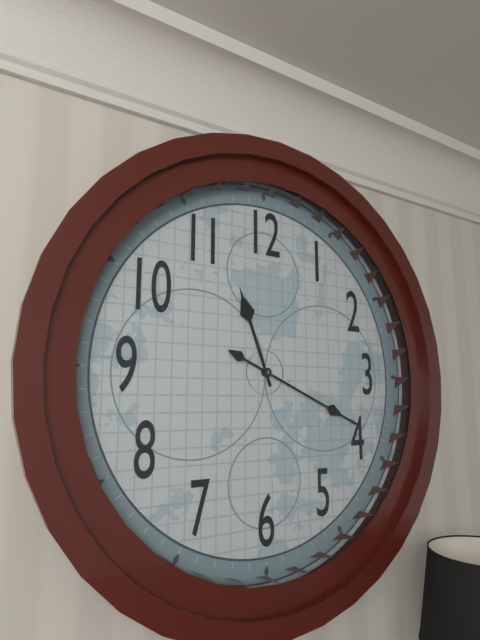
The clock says {"hour": 11, "minute": 19}
